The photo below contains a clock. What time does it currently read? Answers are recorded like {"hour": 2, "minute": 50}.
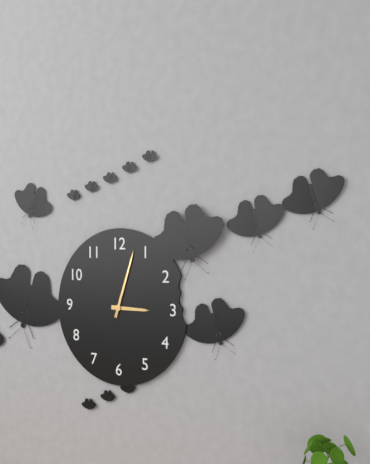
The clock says {"hour": 3, "minute": 3}
